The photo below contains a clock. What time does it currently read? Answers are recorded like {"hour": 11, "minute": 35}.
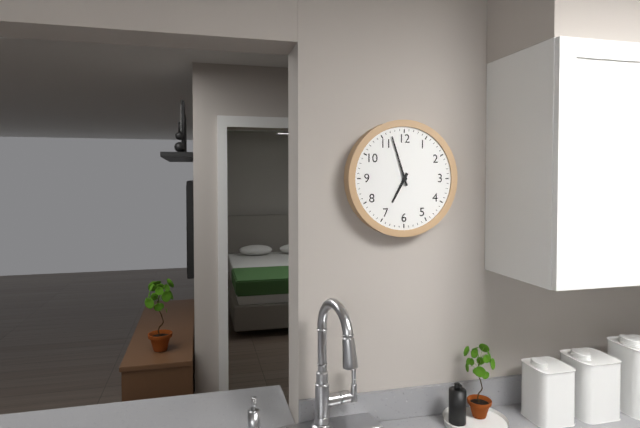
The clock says {"hour": 6, "minute": 57}
